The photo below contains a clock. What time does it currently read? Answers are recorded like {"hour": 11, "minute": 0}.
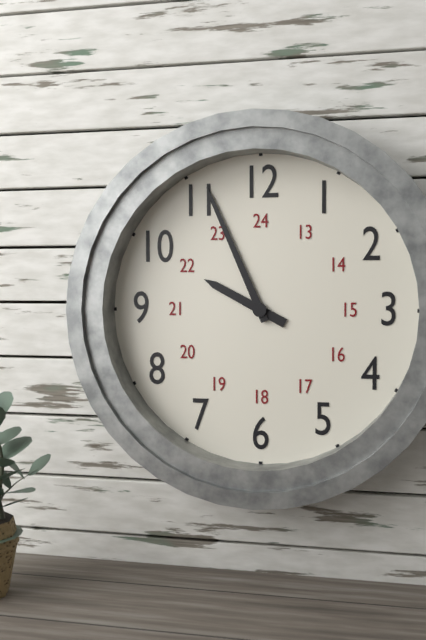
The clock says {"hour": 9, "minute": 56}
